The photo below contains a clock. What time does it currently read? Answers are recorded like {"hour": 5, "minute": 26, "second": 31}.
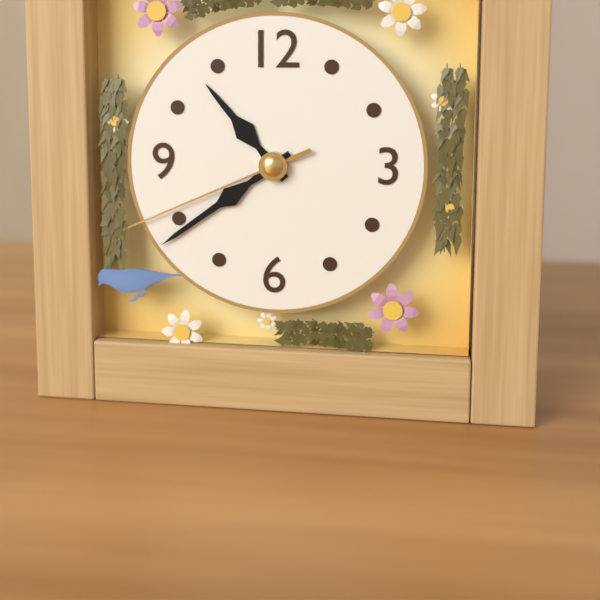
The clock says {"hour": 10, "minute": 39, "second": 41}
